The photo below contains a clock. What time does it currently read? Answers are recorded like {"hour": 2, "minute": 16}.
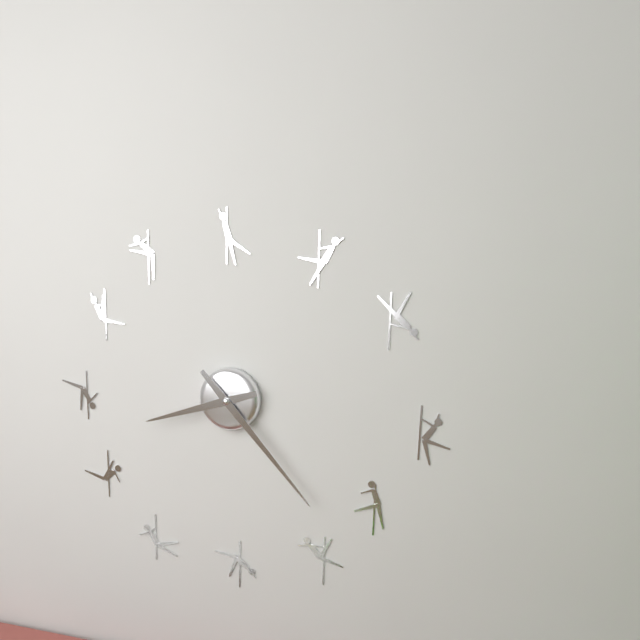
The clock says {"hour": 8, "minute": 23}
